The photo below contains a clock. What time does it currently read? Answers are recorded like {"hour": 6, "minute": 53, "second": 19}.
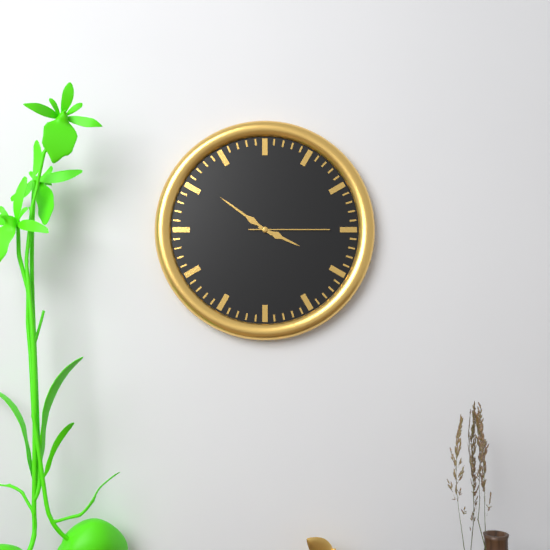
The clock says {"hour": 3, "minute": 51, "second": 15}
